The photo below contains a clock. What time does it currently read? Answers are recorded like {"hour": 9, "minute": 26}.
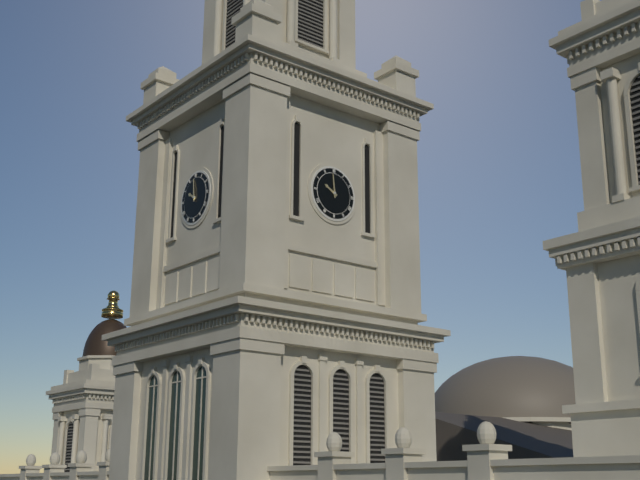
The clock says {"hour": 9, "minute": 59}
